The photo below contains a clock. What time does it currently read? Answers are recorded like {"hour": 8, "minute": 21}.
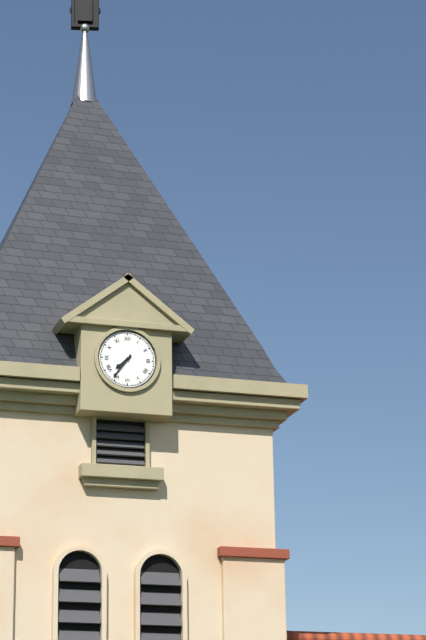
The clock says {"hour": 7, "minute": 36}
